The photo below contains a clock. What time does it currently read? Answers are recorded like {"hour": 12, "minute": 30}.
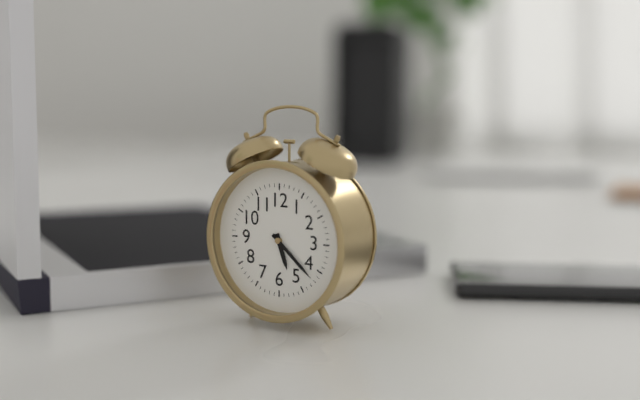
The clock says {"hour": 5, "minute": 22}
